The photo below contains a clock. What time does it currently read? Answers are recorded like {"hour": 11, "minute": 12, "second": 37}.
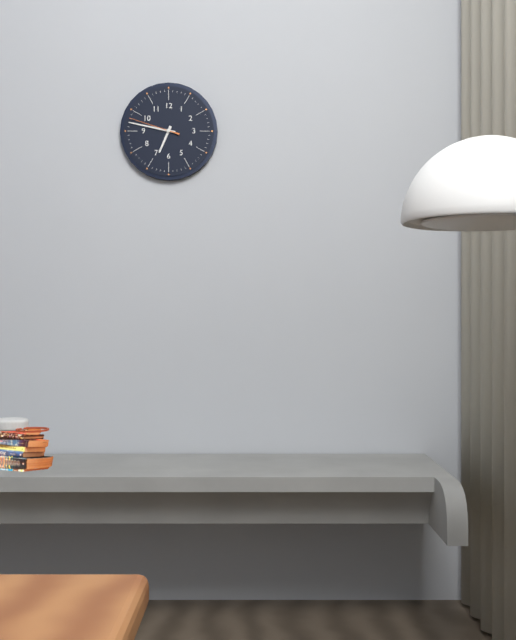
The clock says {"hour": 6, "minute": 47, "second": 48}
